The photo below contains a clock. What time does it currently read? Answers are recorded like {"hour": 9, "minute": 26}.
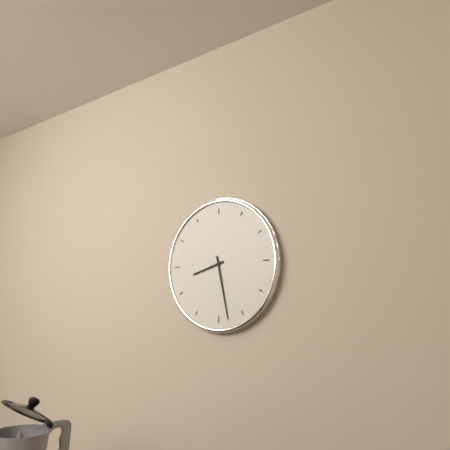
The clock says {"hour": 8, "minute": 28}
